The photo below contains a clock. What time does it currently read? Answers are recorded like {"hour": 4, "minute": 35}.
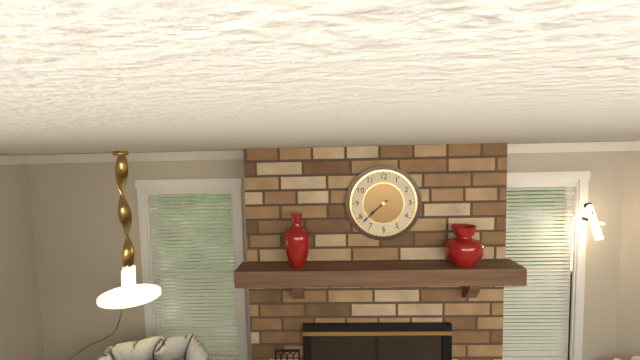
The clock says {"hour": 7, "minute": 38}
